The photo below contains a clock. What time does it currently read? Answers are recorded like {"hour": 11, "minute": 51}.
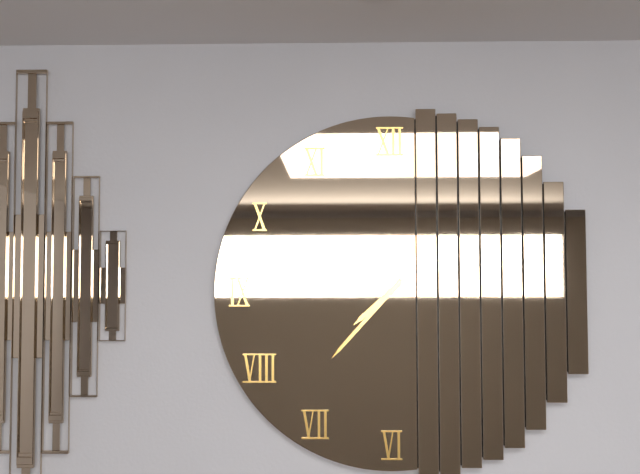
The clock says {"hour": 7, "minute": 37}
